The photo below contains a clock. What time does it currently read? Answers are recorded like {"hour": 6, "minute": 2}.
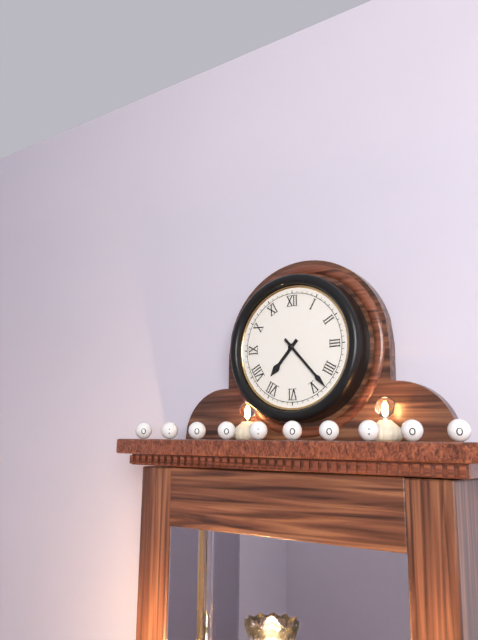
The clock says {"hour": 7, "minute": 23}
